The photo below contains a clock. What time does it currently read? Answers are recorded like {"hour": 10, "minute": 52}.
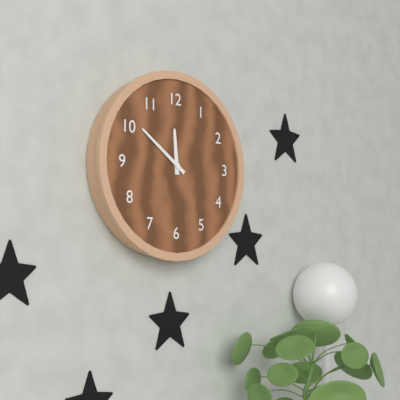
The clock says {"hour": 11, "minute": 51}
